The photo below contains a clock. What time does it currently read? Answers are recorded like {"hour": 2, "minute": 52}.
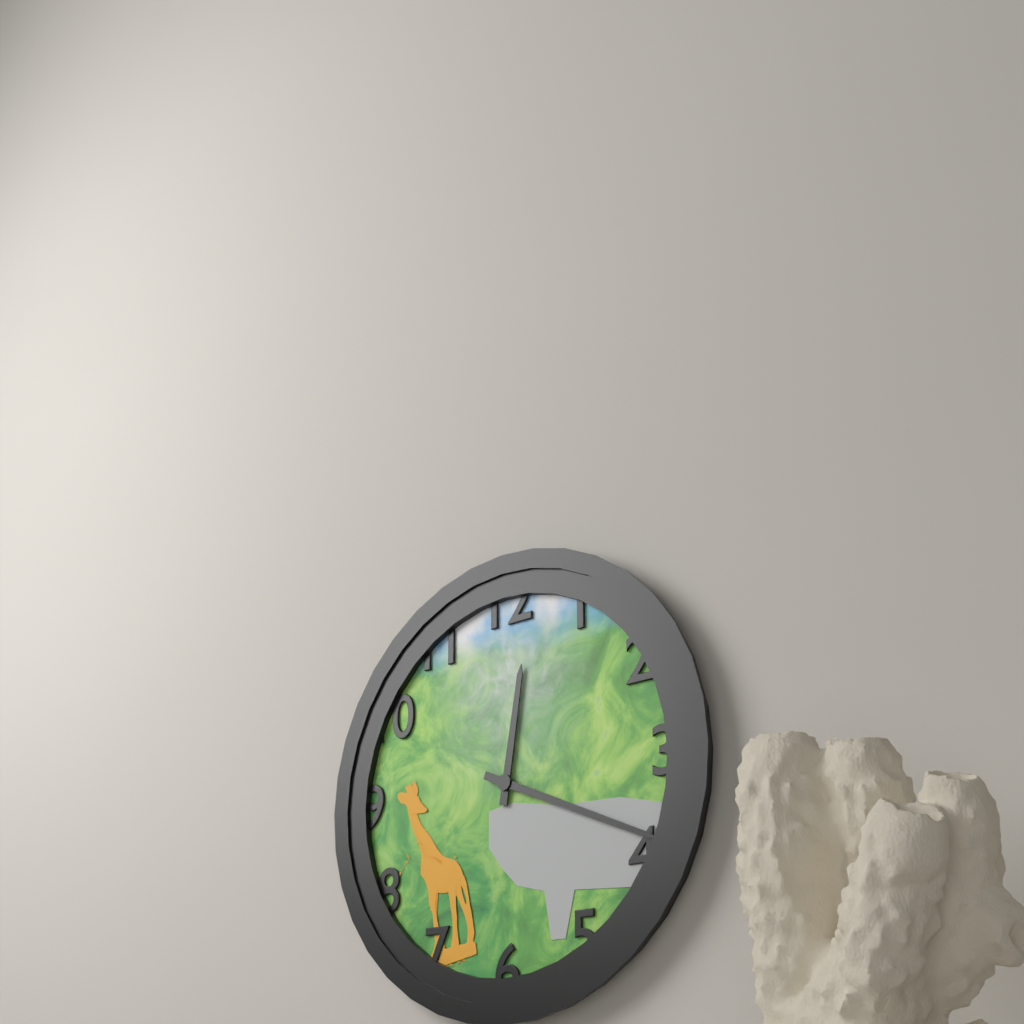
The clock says {"hour": 12, "minute": 19}
